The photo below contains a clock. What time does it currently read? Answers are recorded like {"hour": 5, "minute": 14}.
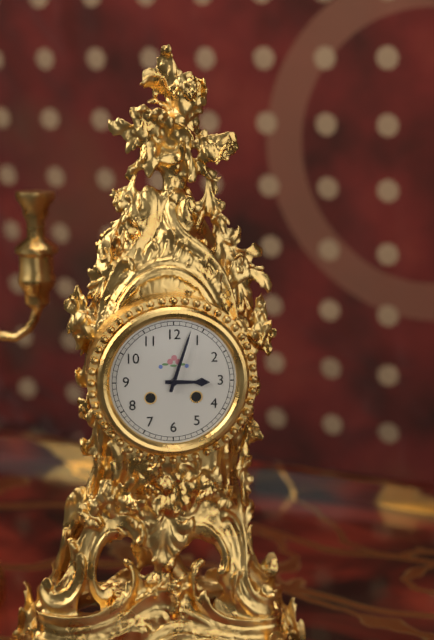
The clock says {"hour": 3, "minute": 3}
